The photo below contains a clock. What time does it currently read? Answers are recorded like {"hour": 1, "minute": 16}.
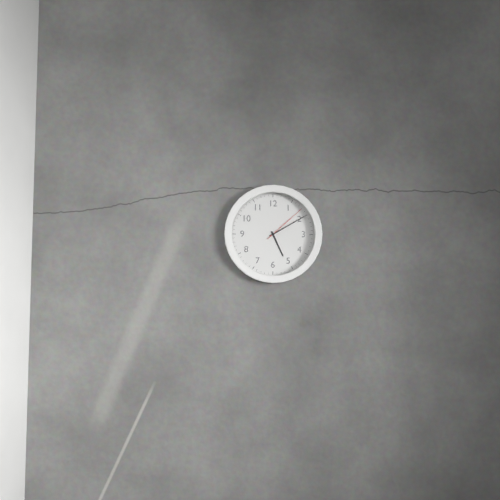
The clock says {"hour": 5, "minute": 10}
